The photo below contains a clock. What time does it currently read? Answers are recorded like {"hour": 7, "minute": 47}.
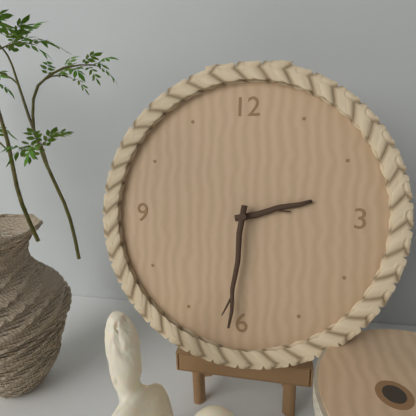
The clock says {"hour": 2, "minute": 31}
